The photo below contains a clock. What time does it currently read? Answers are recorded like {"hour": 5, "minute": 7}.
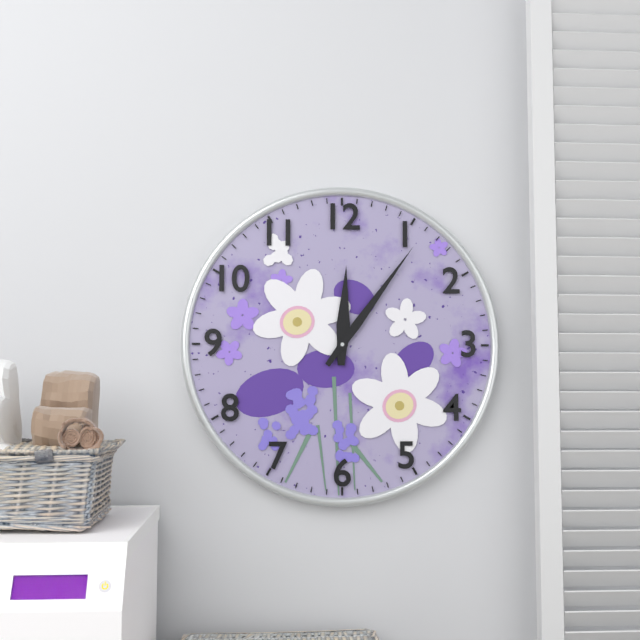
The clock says {"hour": 12, "minute": 6}
